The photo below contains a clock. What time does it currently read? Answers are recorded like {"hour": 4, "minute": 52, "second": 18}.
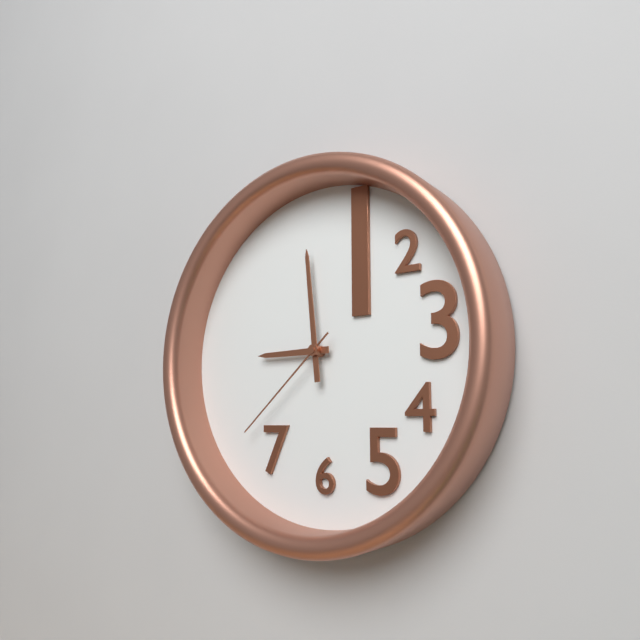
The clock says {"hour": 8, "minute": 59, "second": 38}
